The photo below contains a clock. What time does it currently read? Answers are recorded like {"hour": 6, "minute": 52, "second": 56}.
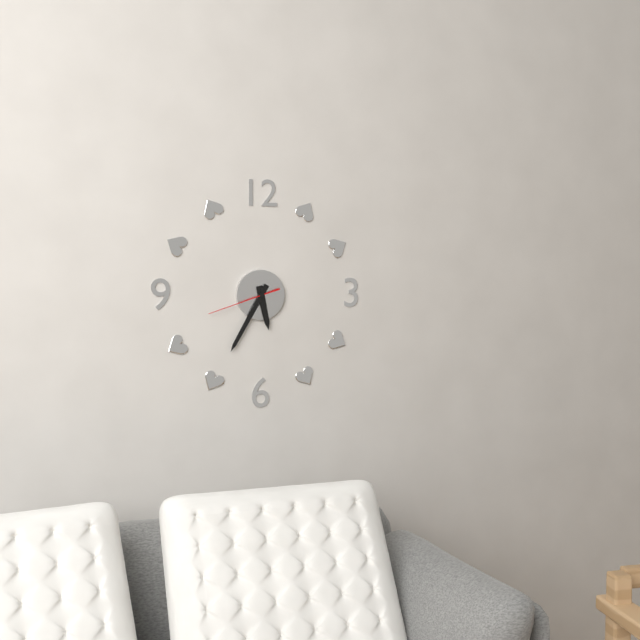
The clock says {"hour": 5, "minute": 35, "second": 42}
